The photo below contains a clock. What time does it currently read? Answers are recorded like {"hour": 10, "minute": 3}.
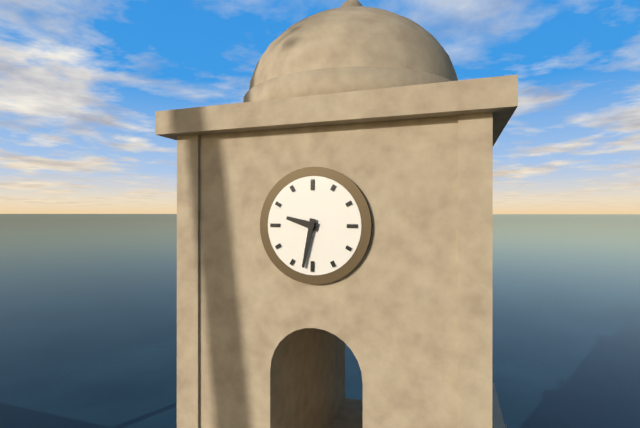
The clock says {"hour": 9, "minute": 32}
